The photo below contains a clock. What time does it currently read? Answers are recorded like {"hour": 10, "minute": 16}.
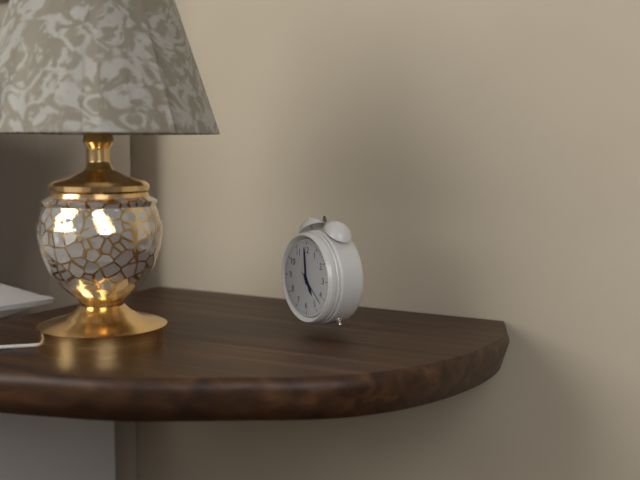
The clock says {"hour": 4, "minute": 59}
